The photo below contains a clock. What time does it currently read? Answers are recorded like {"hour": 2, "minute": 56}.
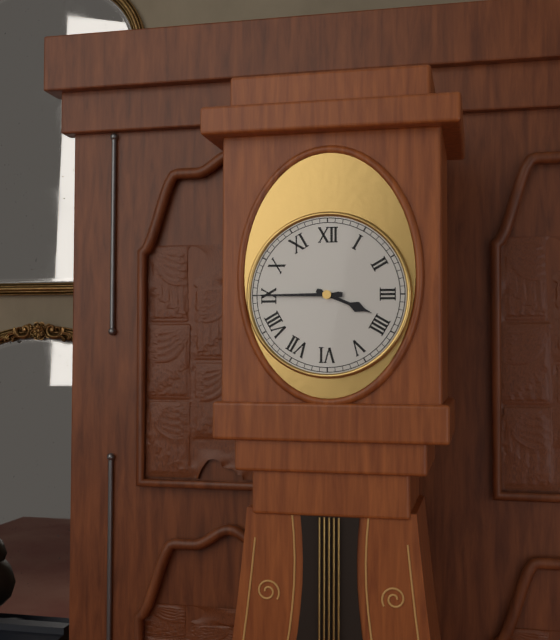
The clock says {"hour": 3, "minute": 45}
